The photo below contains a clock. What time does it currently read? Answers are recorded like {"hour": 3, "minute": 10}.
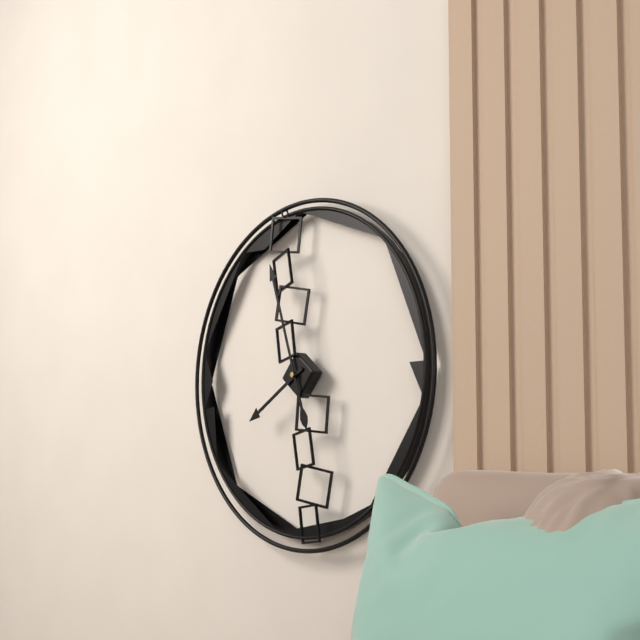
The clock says {"hour": 7, "minute": 57}
